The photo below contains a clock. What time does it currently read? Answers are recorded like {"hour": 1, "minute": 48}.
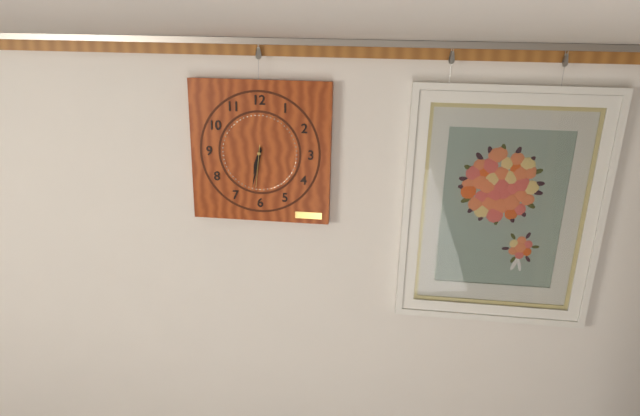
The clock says {"hour": 6, "minute": 32}
